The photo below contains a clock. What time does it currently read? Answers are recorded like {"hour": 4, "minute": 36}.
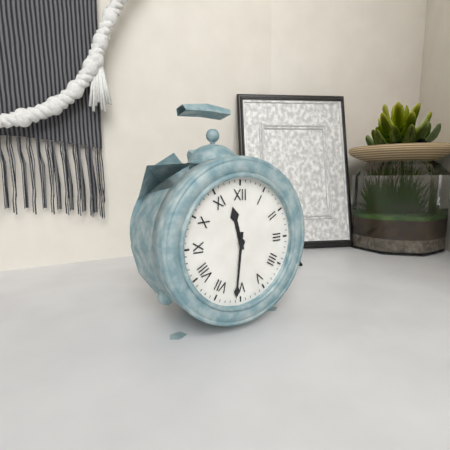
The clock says {"hour": 11, "minute": 31}
